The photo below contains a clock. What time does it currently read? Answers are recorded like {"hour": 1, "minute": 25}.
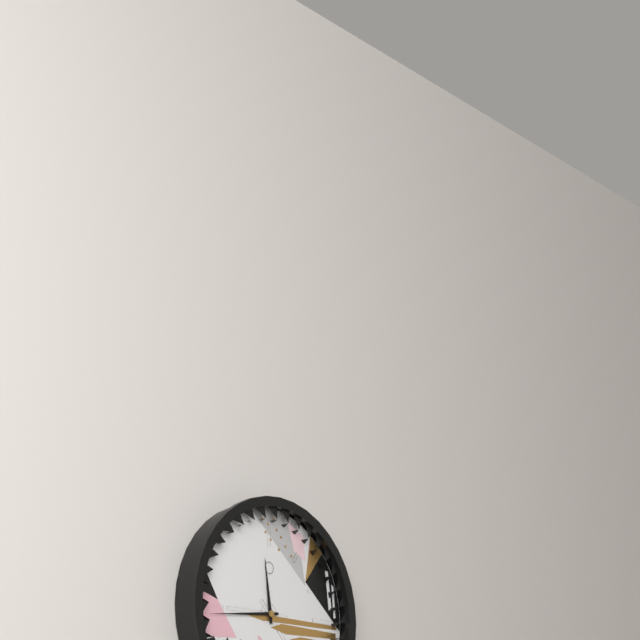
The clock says {"hour": 11, "minute": 44}
